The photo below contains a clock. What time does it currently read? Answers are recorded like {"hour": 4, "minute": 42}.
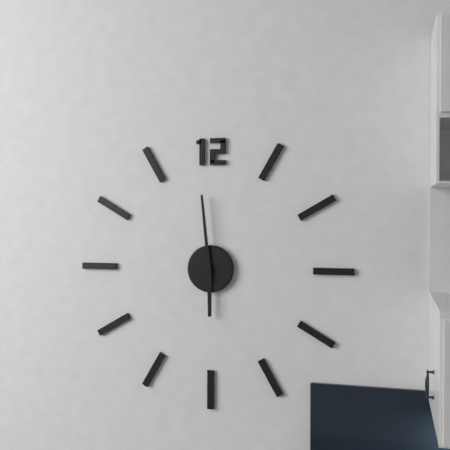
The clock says {"hour": 5, "minute": 59}
